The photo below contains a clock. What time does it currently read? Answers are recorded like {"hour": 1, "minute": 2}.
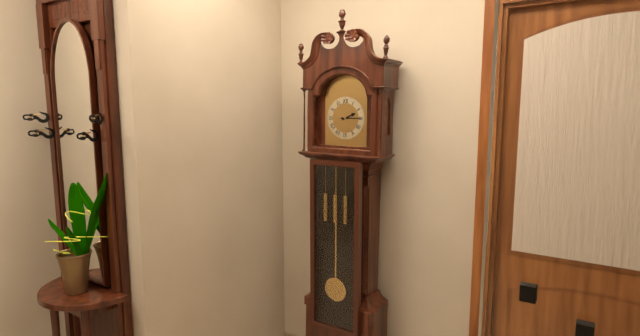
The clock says {"hour": 2, "minute": 15}
